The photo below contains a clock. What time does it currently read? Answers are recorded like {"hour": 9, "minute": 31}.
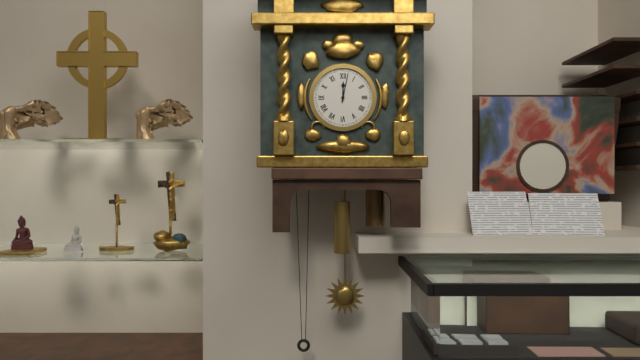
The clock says {"hour": 12, "minute": 2}
